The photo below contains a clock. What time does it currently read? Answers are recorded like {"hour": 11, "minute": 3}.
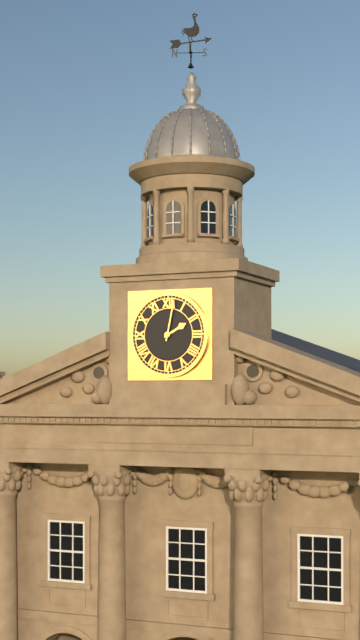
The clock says {"hour": 2, "minute": 2}
